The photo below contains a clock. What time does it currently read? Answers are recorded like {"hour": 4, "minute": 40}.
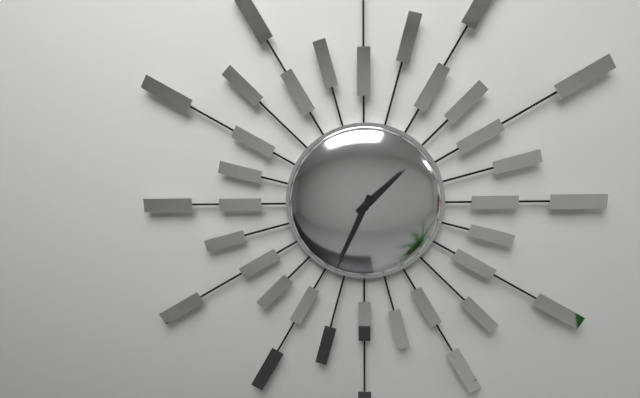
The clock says {"hour": 1, "minute": 34}
